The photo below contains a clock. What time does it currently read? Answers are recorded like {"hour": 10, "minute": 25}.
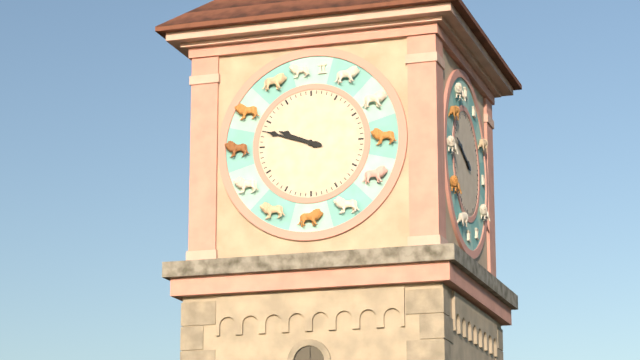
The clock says {"hour": 9, "minute": 48}
